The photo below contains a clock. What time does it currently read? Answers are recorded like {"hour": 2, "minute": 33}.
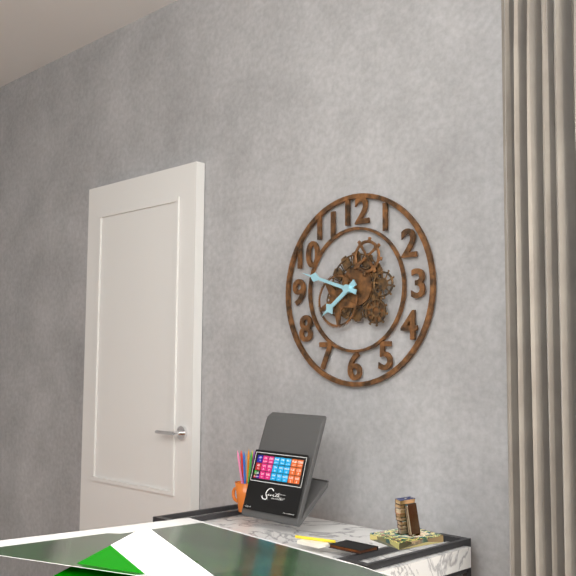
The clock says {"hour": 7, "minute": 48}
